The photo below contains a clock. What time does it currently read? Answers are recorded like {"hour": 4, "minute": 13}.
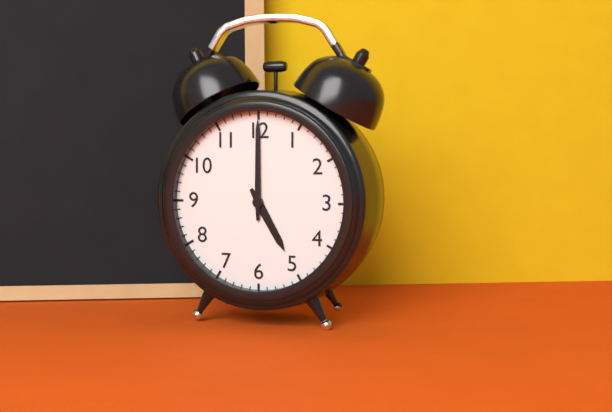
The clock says {"hour": 5, "minute": 0}
